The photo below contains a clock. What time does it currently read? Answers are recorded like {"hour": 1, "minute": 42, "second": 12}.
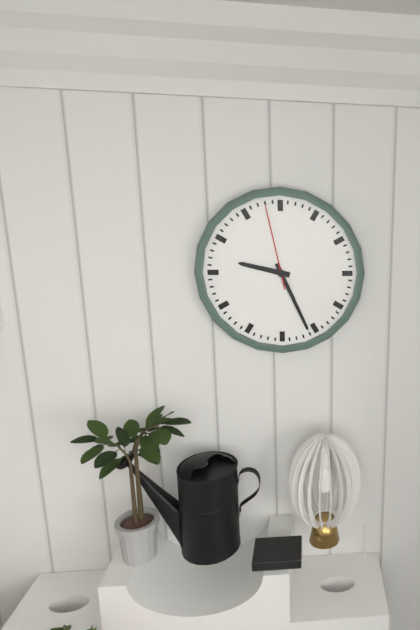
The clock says {"hour": 9, "minute": 26, "second": 58}
